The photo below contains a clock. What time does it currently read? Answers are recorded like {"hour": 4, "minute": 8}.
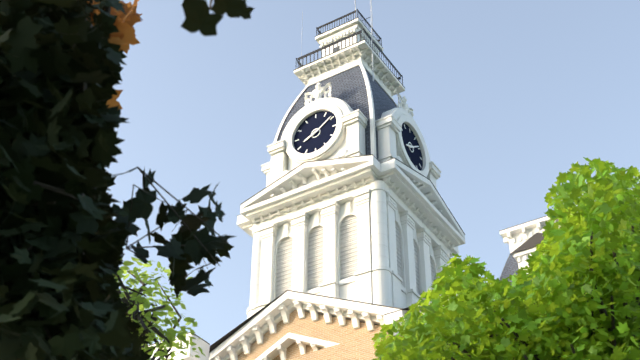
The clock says {"hour": 8, "minute": 9}
